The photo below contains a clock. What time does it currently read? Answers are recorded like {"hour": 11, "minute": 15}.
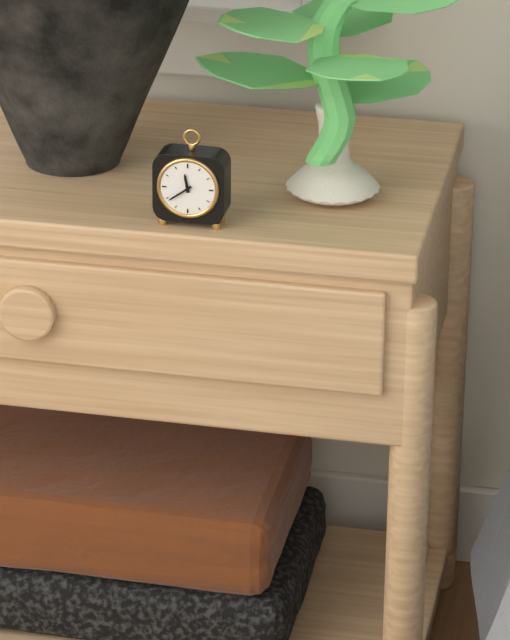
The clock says {"hour": 11, "minute": 39}
